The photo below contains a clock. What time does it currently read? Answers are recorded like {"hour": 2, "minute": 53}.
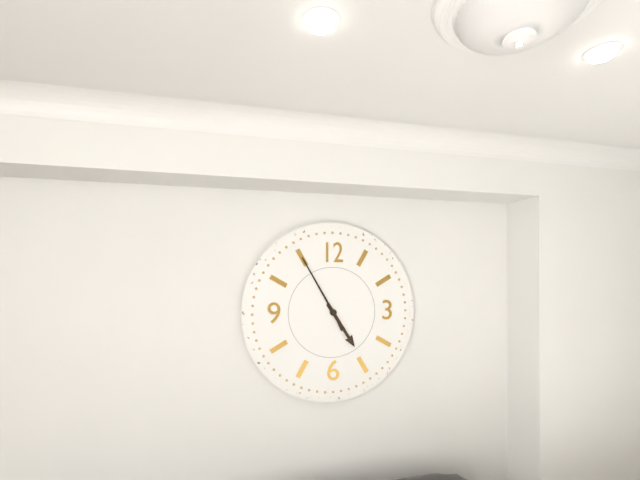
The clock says {"hour": 4, "minute": 55}
